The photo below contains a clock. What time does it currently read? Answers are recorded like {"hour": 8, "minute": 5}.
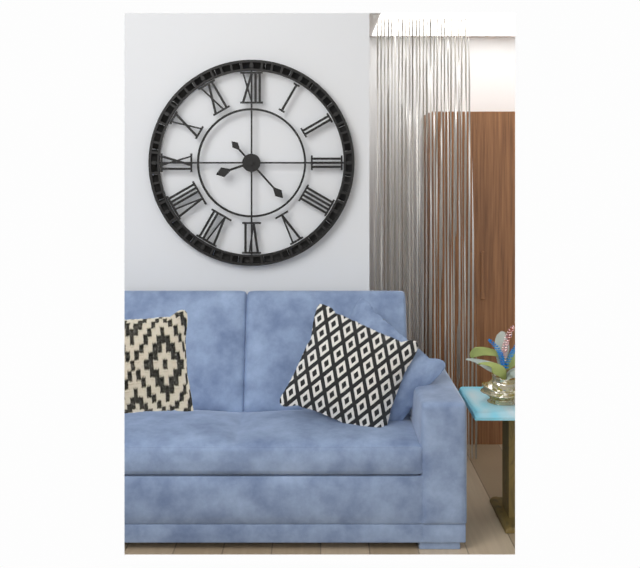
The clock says {"hour": 8, "minute": 23}
